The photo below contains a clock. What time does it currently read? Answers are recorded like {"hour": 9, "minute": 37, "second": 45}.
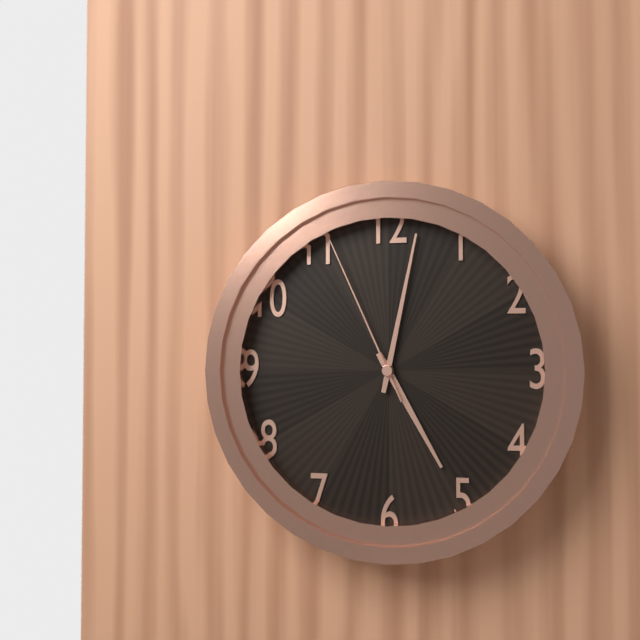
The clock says {"hour": 5, "minute": 2, "second": 56}
